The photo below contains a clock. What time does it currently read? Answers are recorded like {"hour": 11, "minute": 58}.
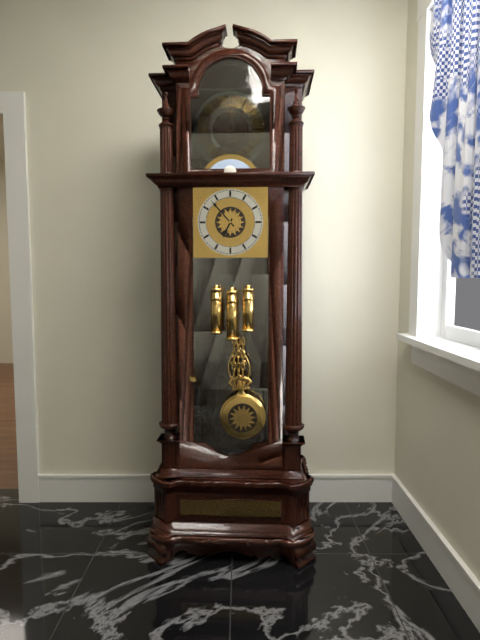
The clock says {"hour": 6, "minute": 53}
